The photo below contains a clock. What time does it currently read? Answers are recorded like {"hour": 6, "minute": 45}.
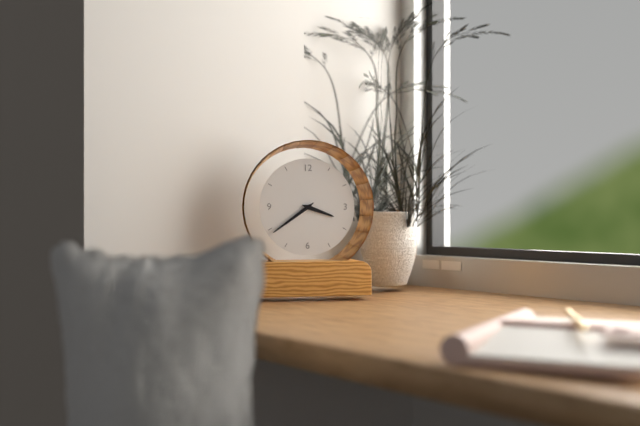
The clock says {"hour": 3, "minute": 39}
